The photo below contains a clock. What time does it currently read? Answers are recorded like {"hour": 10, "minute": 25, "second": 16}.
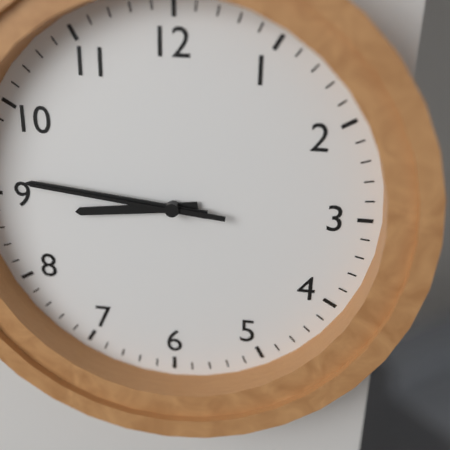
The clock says {"hour": 8, "minute": 46, "second": 46}
